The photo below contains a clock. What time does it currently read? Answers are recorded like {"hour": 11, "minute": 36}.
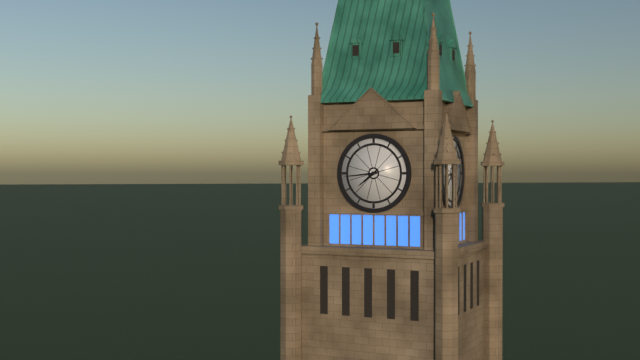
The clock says {"hour": 7, "minute": 44}
